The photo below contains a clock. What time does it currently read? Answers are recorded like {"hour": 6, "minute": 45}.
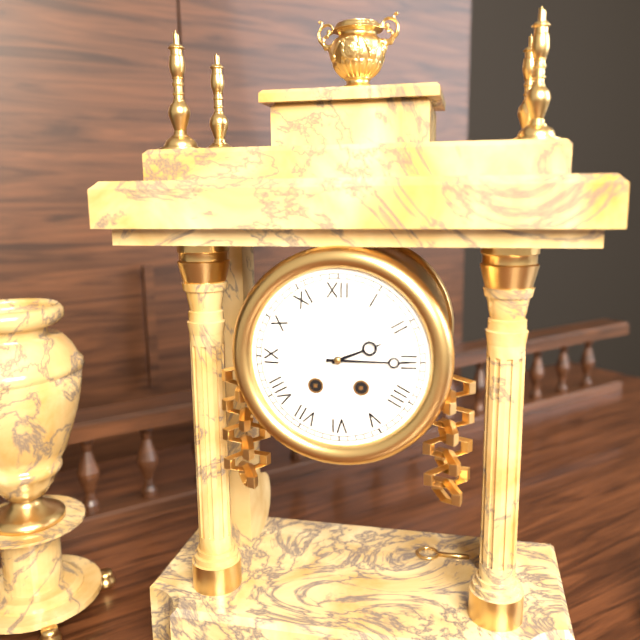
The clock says {"hour": 2, "minute": 15}
